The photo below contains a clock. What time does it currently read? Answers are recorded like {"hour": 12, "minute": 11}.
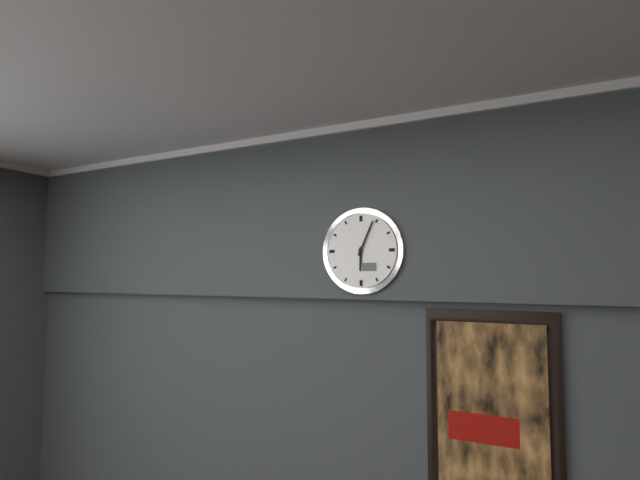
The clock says {"hour": 6, "minute": 4}
